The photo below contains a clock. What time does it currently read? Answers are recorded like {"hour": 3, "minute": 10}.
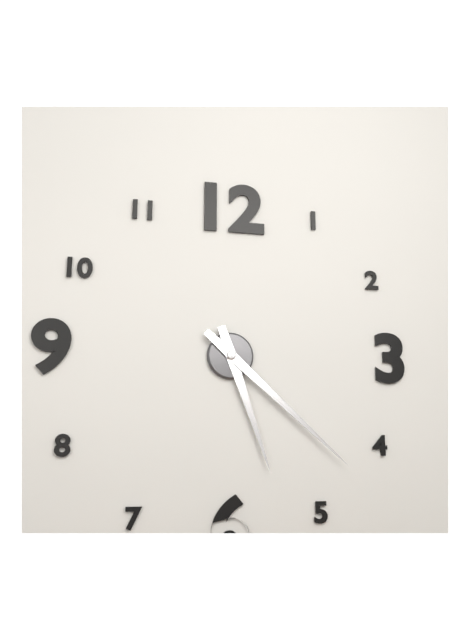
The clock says {"hour": 5, "minute": 22}
